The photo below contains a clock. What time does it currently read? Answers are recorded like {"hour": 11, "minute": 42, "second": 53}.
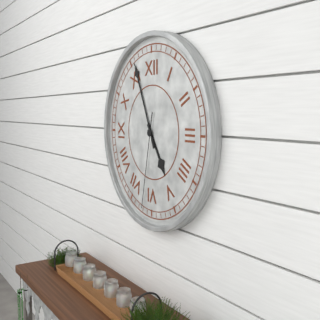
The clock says {"hour": 4, "minute": 56, "second": 32}
